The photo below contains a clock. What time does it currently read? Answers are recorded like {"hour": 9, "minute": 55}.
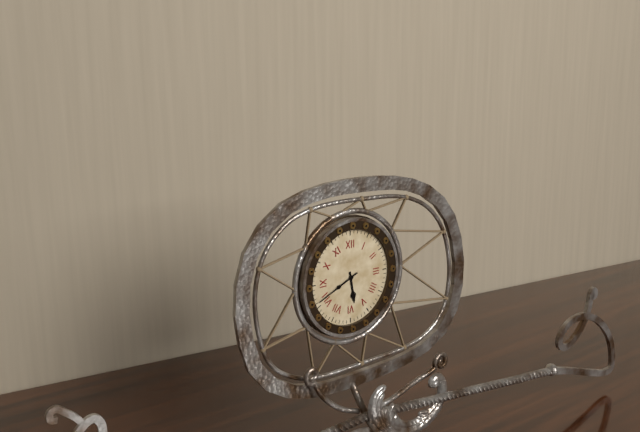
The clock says {"hour": 5, "minute": 41}
